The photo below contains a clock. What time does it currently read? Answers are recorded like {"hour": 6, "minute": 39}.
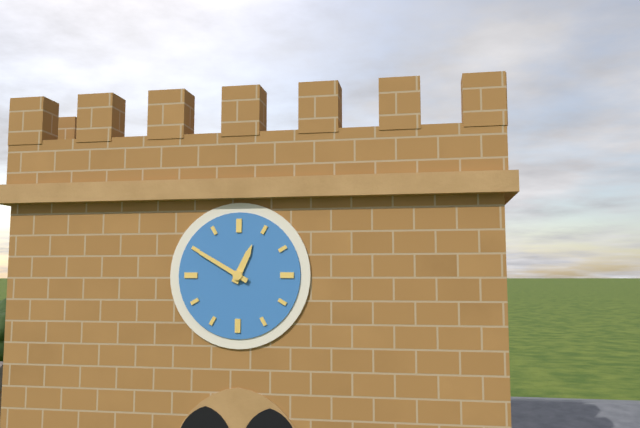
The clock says {"hour": 12, "minute": 50}
